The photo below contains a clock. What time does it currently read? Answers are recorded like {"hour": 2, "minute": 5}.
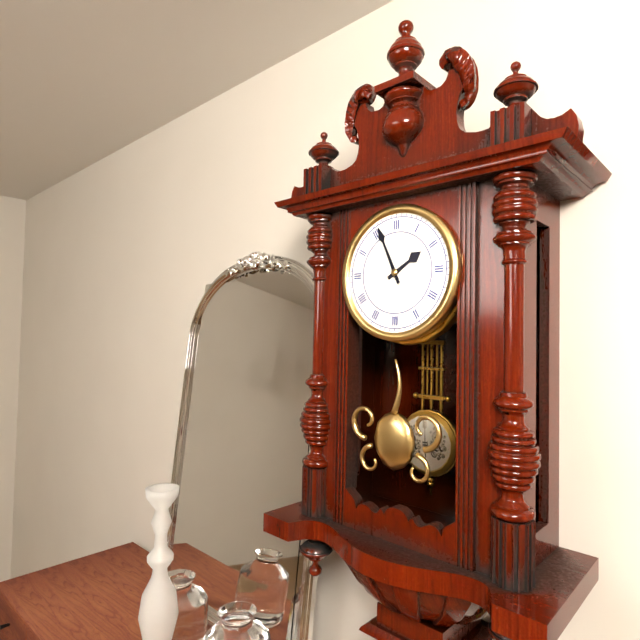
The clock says {"hour": 1, "minute": 56}
